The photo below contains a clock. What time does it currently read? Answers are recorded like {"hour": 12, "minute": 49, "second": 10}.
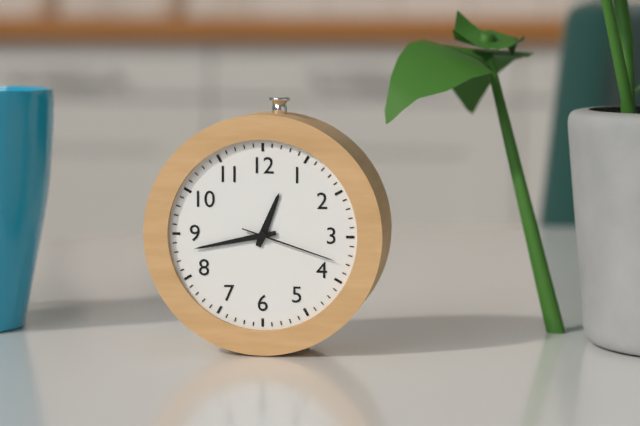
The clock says {"hour": 12, "minute": 43, "second": 18}
